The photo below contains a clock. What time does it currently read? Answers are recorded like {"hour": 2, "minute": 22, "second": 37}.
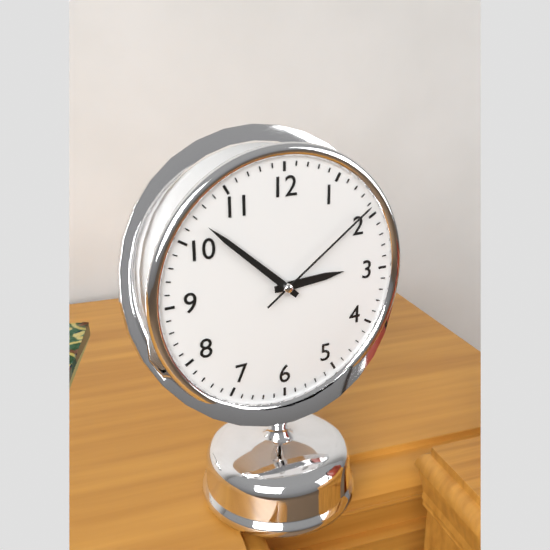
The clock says {"hour": 2, "minute": 52, "second": 9}
